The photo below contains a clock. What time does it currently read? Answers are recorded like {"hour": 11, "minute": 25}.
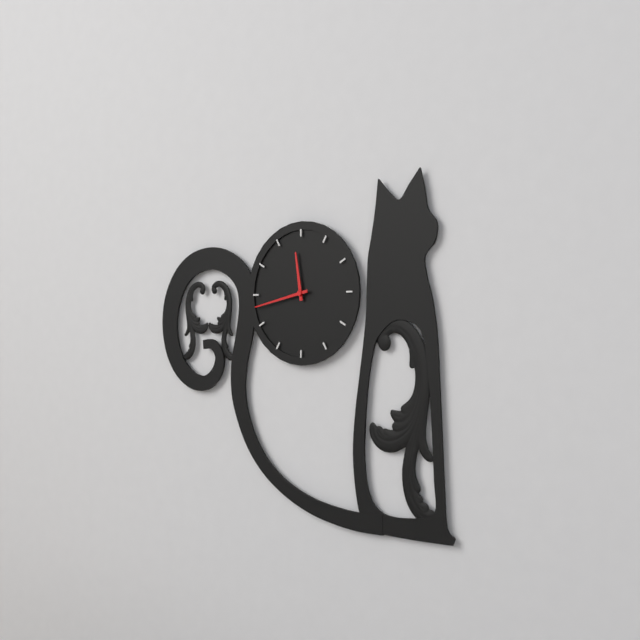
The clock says {"hour": 11, "minute": 43}
